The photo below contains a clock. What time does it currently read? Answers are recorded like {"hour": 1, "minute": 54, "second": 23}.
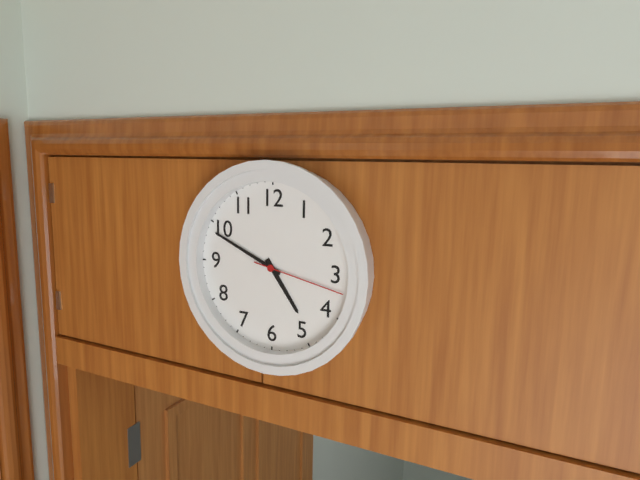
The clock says {"hour": 4, "minute": 49, "second": 17}
